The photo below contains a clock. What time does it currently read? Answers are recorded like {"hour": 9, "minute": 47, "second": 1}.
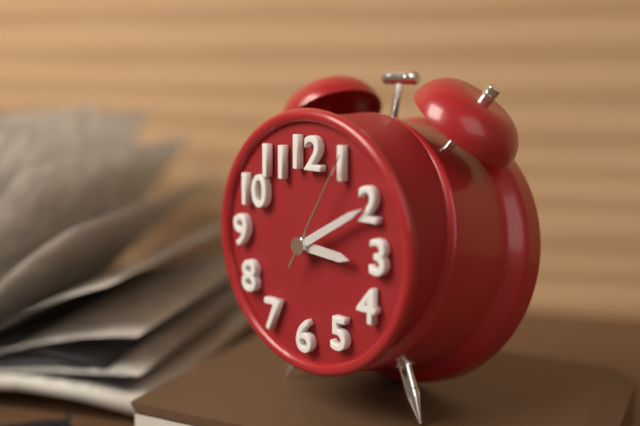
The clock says {"hour": 3, "minute": 10, "second": 5}
